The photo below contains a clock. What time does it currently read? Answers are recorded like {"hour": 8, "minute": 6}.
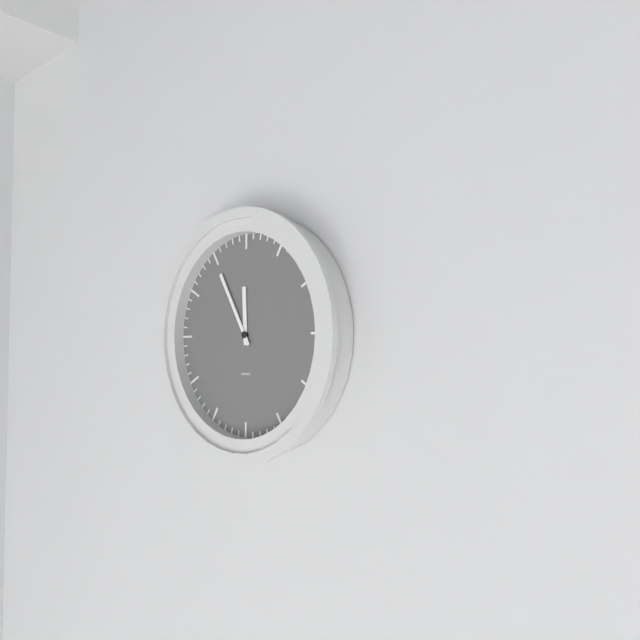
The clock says {"hour": 11, "minute": 55}
